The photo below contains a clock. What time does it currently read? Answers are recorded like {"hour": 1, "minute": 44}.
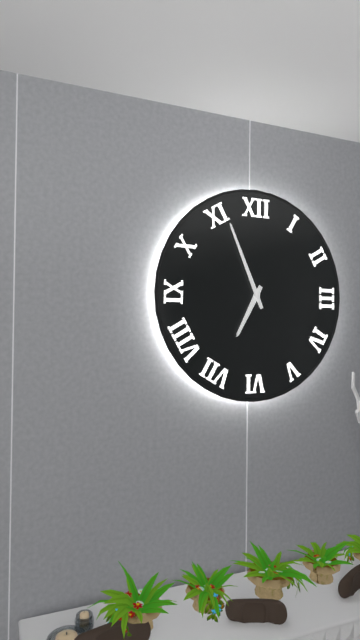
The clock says {"hour": 6, "minute": 56}
